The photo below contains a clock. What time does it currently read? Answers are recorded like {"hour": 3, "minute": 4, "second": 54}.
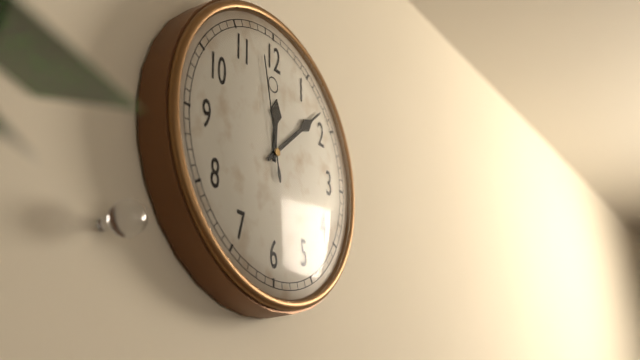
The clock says {"hour": 12, "minute": 8, "second": 58}
